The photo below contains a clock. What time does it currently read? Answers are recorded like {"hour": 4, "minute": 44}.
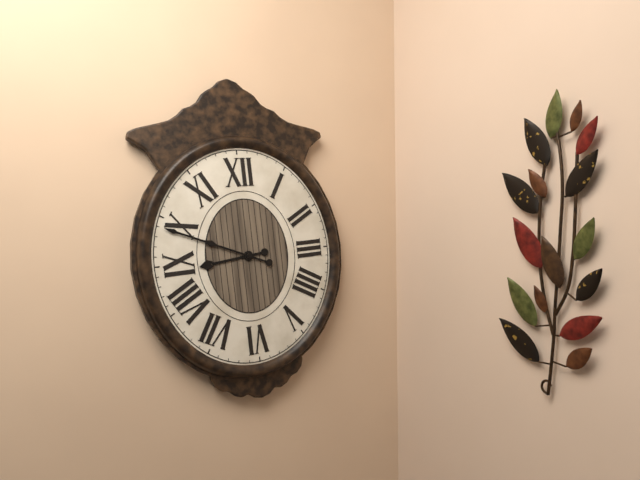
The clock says {"hour": 8, "minute": 49}
